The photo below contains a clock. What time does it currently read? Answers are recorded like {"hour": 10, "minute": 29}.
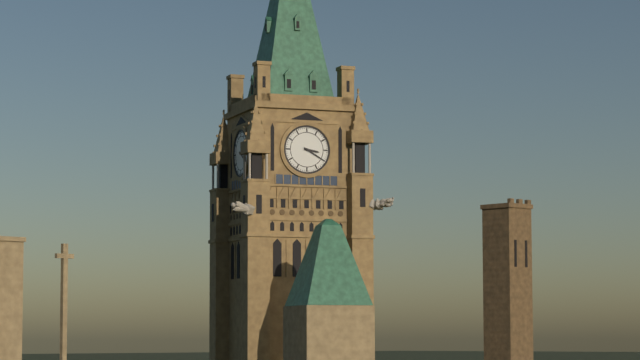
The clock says {"hour": 3, "minute": 20}
